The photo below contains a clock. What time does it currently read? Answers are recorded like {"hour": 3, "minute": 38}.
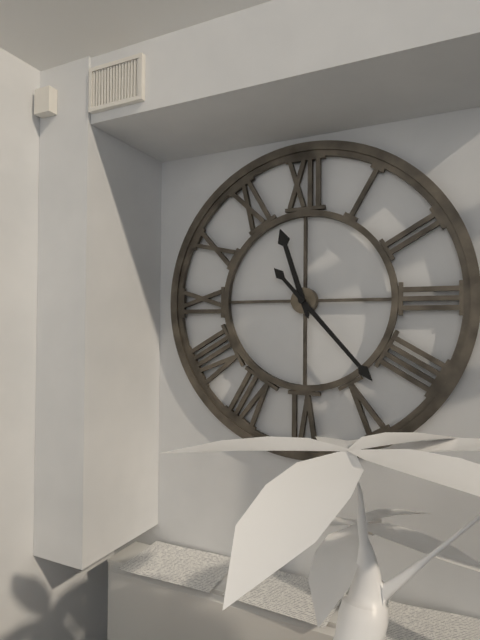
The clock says {"hour": 11, "minute": 23}
